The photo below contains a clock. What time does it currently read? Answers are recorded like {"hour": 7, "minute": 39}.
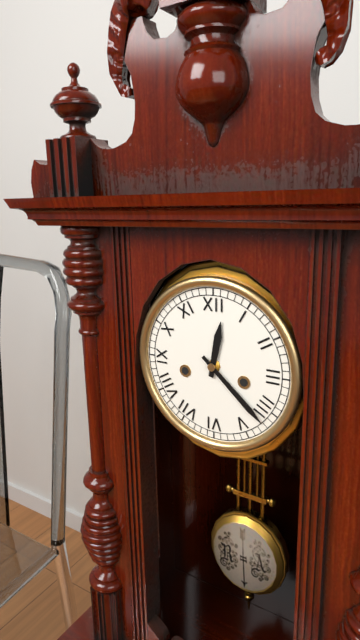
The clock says {"hour": 12, "minute": 22}
